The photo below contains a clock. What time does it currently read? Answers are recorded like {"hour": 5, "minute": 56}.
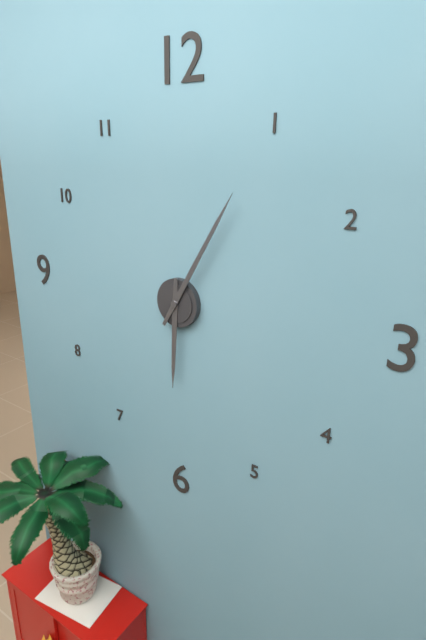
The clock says {"hour": 6, "minute": 5}
